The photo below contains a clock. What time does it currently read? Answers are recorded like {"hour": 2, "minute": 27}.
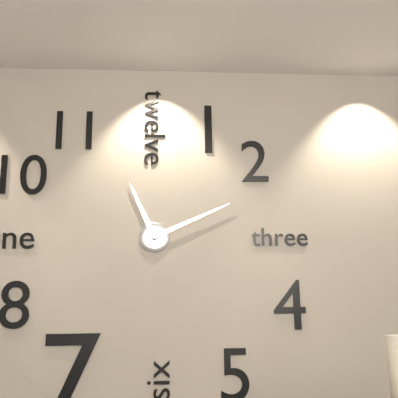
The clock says {"hour": 11, "minute": 11}
